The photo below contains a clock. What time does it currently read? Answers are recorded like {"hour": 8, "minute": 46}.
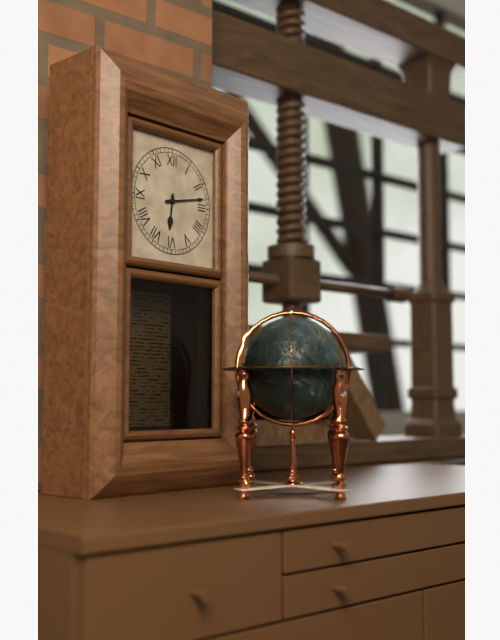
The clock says {"hour": 6, "minute": 13}
